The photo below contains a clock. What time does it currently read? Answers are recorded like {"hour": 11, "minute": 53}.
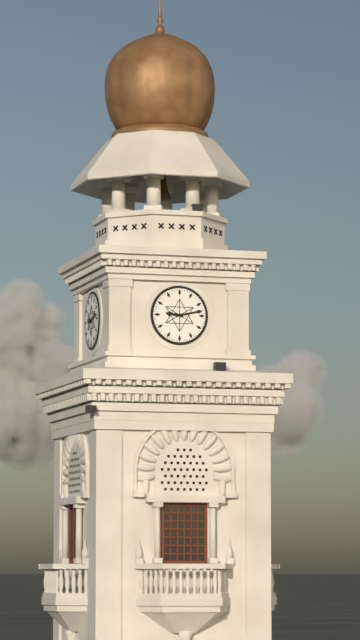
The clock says {"hour": 9, "minute": 13}
